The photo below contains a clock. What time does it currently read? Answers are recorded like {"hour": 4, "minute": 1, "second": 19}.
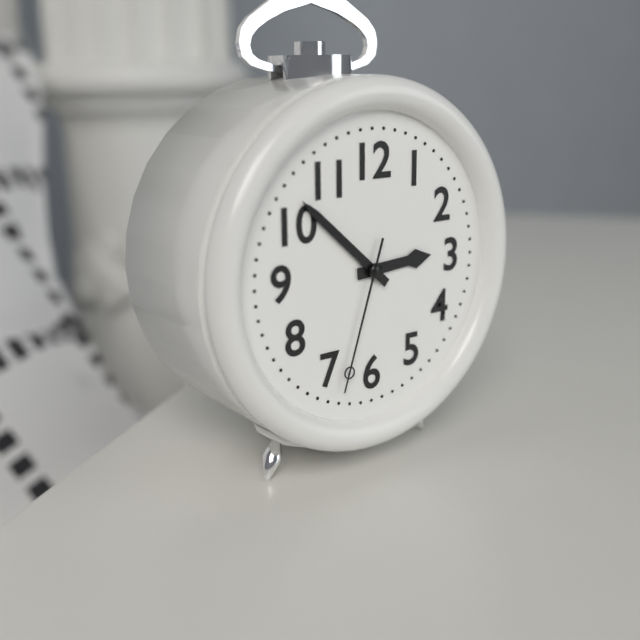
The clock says {"hour": 2, "minute": 52, "second": 33}
